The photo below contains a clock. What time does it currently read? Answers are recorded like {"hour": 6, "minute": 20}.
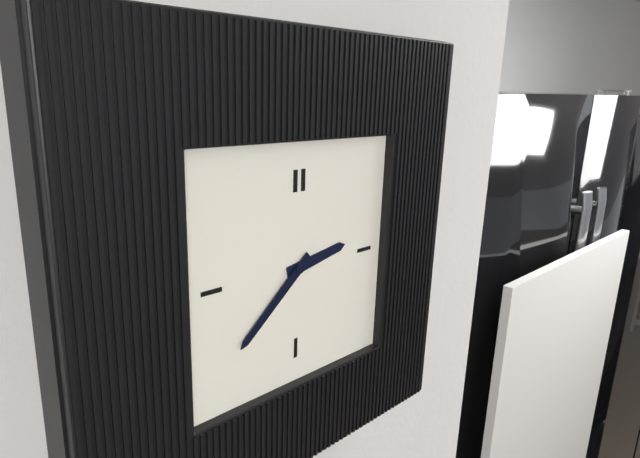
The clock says {"hour": 2, "minute": 38}
